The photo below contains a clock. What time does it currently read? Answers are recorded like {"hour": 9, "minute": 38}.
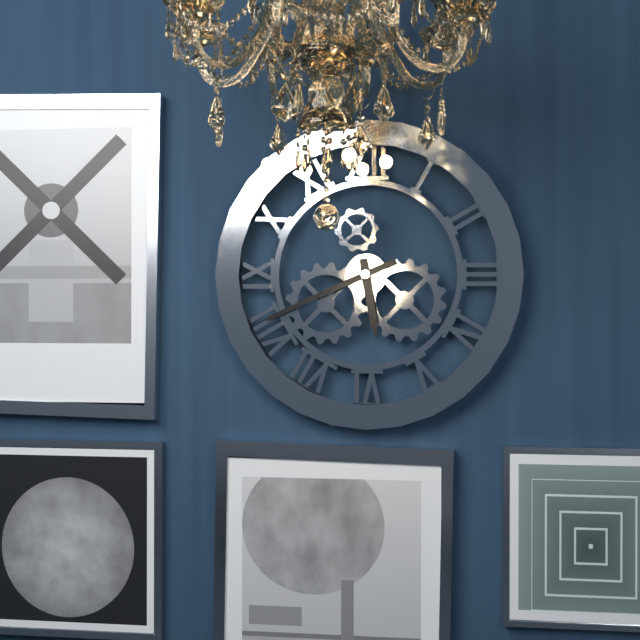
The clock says {"hour": 5, "minute": 41}
